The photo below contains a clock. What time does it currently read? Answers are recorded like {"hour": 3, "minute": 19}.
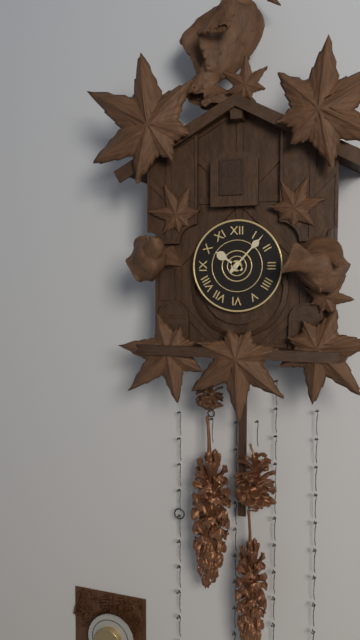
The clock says {"hour": 10, "minute": 7}
